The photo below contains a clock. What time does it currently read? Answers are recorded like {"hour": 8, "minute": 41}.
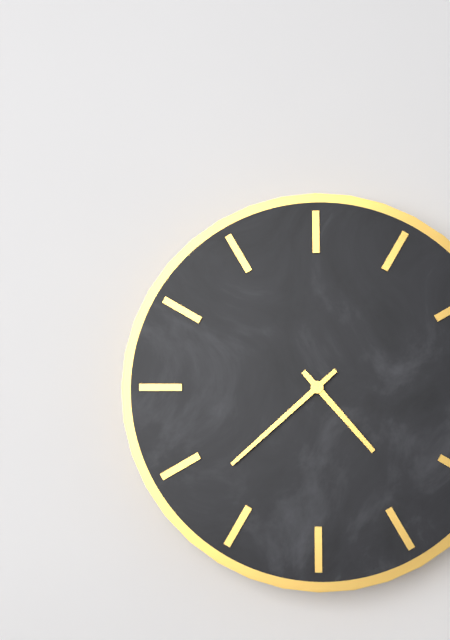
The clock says {"hour": 4, "minute": 38}
